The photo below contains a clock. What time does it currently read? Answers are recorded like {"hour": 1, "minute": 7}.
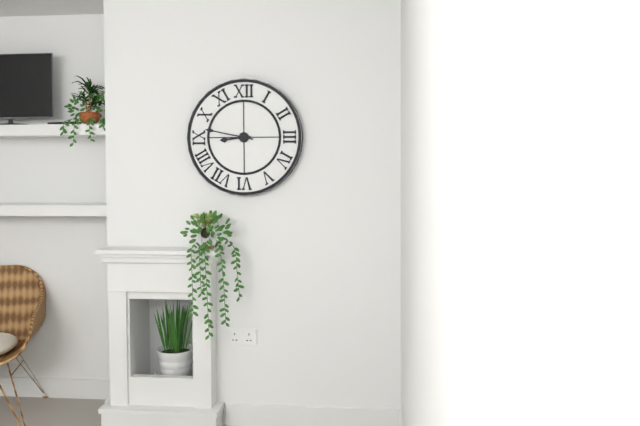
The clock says {"hour": 8, "minute": 47}
